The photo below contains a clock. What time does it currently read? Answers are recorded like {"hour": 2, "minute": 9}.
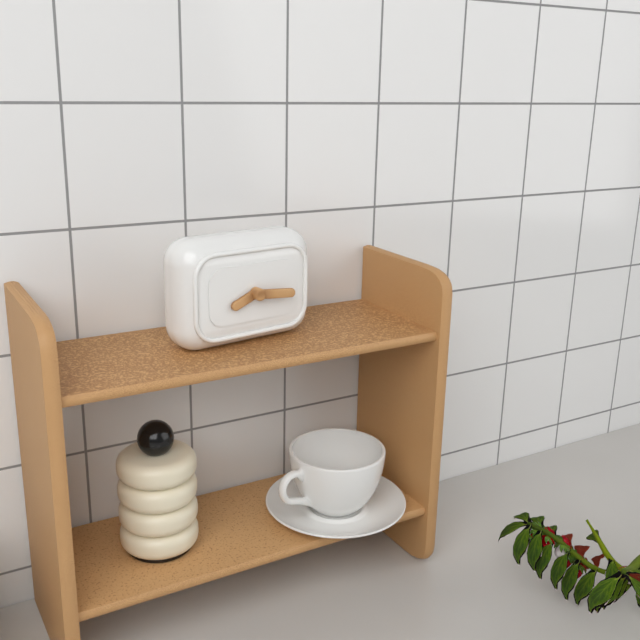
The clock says {"hour": 8, "minute": 16}
